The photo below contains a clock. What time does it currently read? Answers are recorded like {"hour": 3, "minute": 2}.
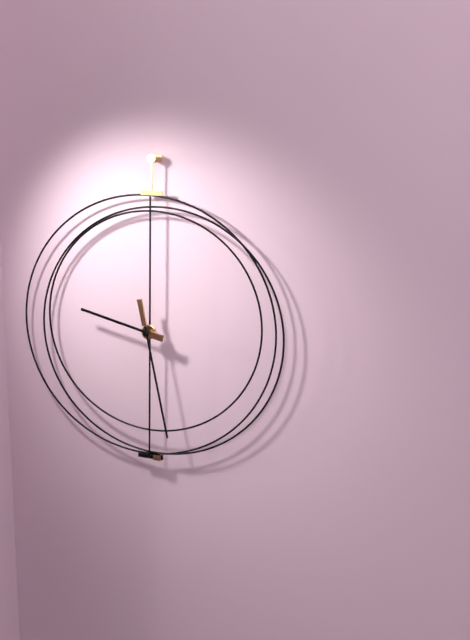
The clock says {"hour": 9, "minute": 28}
